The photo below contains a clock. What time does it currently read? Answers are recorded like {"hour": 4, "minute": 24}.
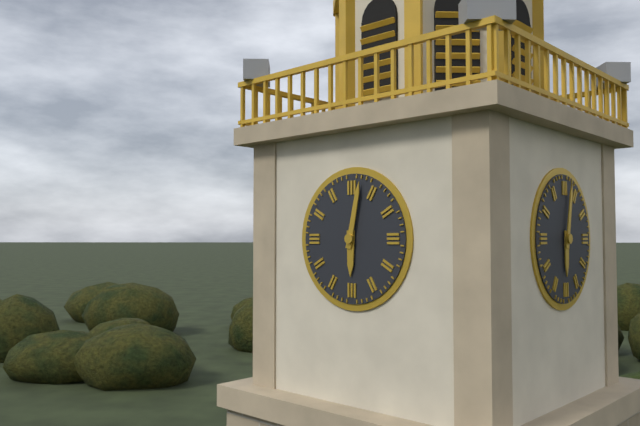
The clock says {"hour": 6, "minute": 2}
